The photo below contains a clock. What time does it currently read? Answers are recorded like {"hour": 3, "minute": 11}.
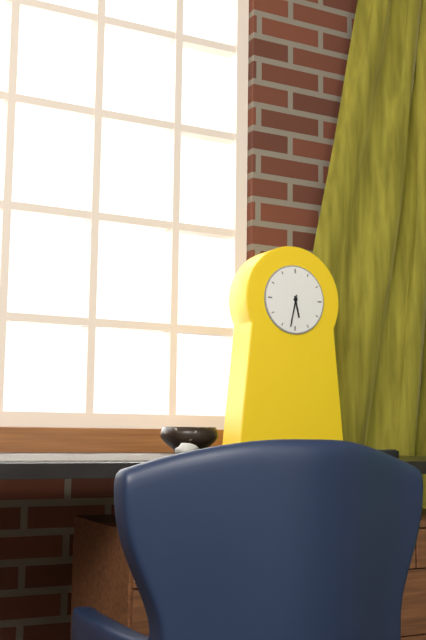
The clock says {"hour": 5, "minute": 32}
